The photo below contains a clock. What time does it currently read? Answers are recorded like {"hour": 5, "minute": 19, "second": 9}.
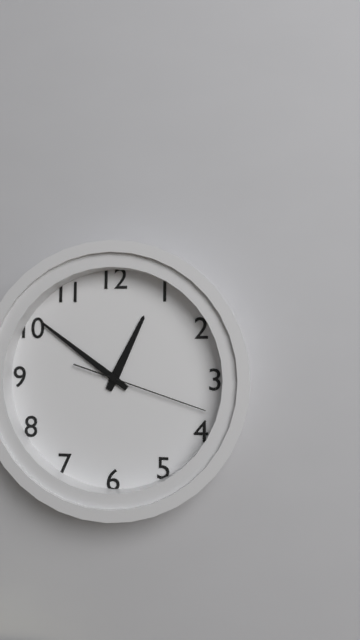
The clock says {"hour": 12, "minute": 51, "second": 18}
